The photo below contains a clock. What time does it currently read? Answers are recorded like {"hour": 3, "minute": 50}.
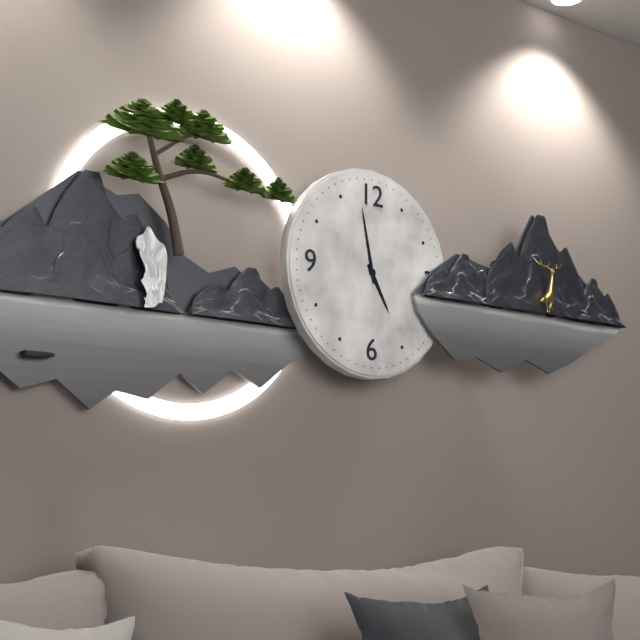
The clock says {"hour": 4, "minute": 58}
